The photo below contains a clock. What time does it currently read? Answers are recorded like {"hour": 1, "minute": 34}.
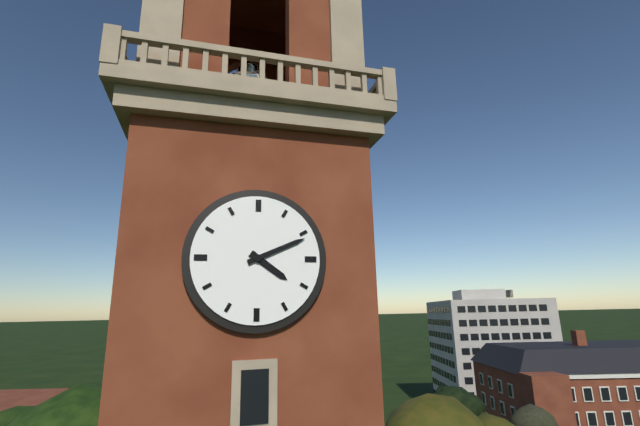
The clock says {"hour": 4, "minute": 11}
